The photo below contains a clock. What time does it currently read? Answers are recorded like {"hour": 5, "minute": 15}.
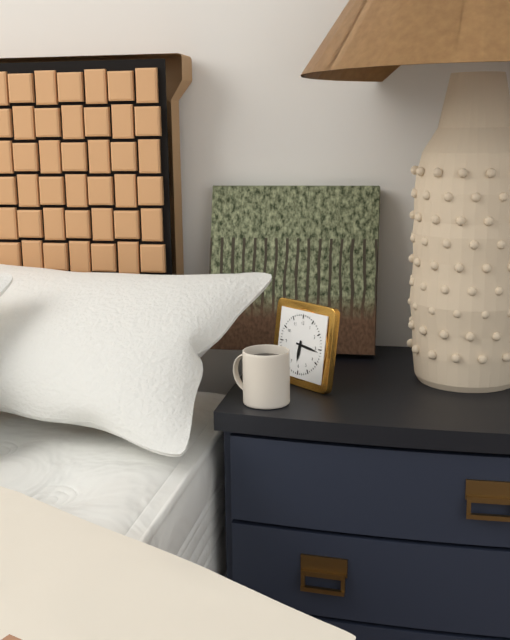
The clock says {"hour": 6, "minute": 16}
